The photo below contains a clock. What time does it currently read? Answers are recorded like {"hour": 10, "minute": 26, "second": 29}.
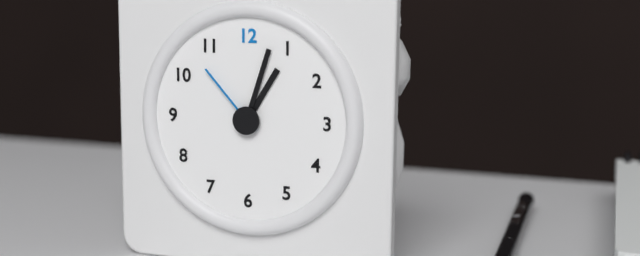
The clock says {"hour": 1, "minute": 3, "second": 53}
